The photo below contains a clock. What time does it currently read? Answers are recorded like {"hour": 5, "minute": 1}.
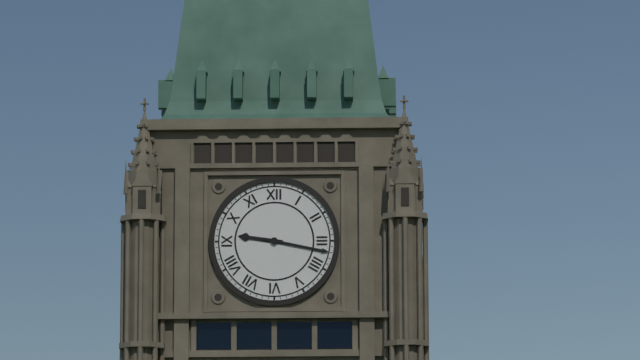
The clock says {"hour": 9, "minute": 17}
